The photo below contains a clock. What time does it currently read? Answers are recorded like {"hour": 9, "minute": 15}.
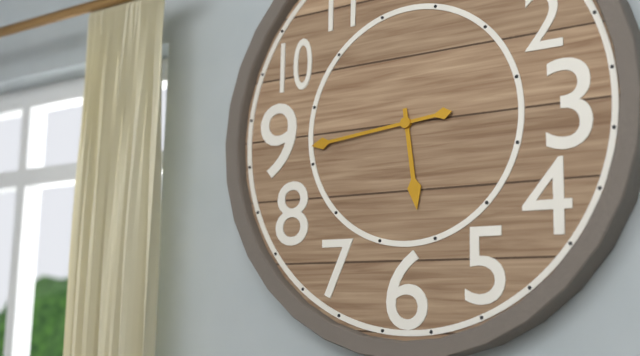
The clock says {"hour": 5, "minute": 44}
